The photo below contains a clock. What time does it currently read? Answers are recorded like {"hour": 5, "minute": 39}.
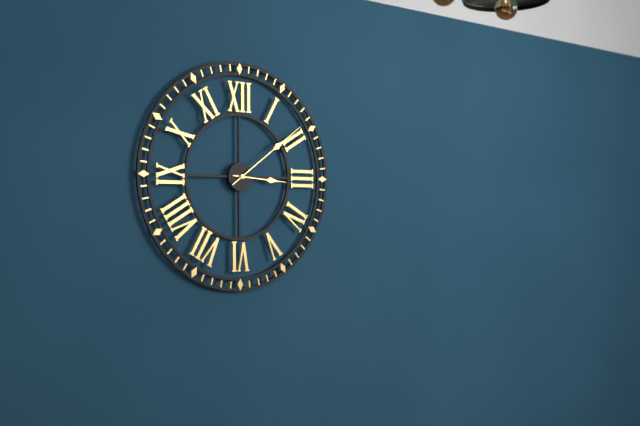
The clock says {"hour": 3, "minute": 9}
